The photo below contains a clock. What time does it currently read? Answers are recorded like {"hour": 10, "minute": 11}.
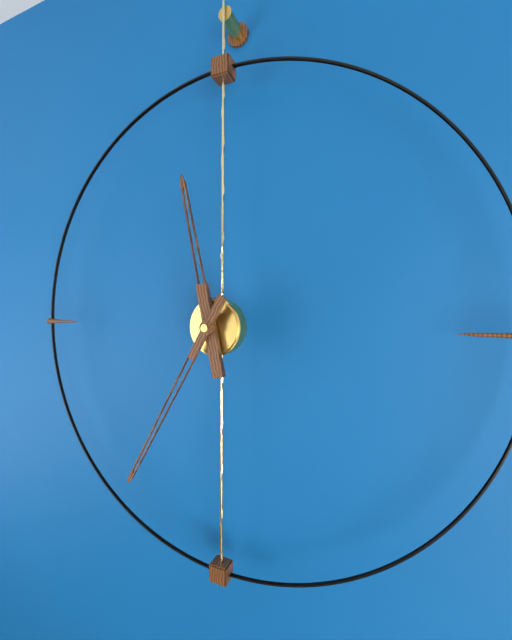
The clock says {"hour": 11, "minute": 35}
